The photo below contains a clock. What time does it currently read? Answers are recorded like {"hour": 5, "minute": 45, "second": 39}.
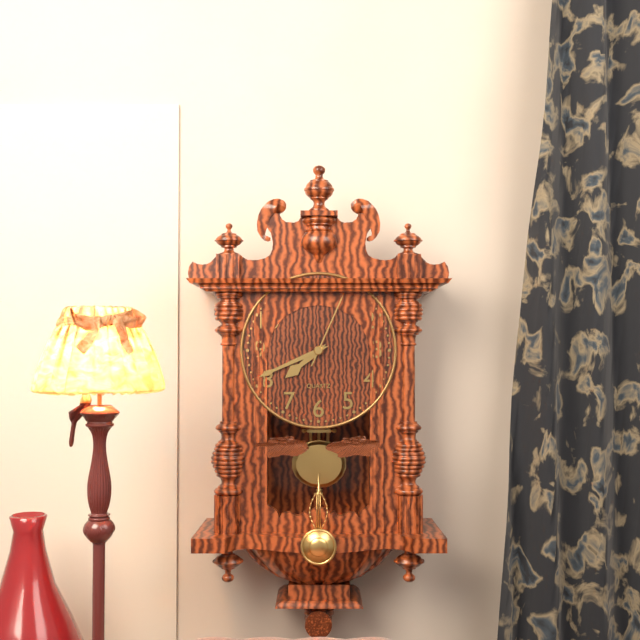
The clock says {"hour": 7, "minute": 41, "second": 4}
